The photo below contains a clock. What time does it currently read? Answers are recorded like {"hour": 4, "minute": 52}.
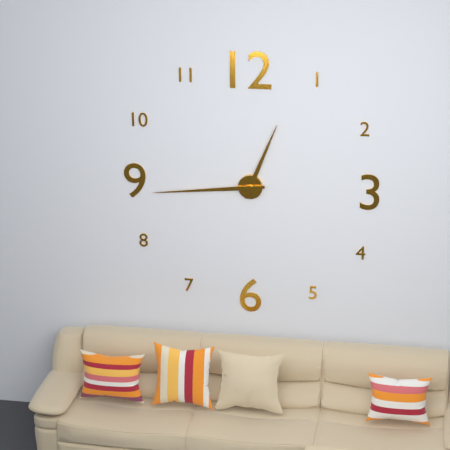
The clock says {"hour": 12, "minute": 44}
